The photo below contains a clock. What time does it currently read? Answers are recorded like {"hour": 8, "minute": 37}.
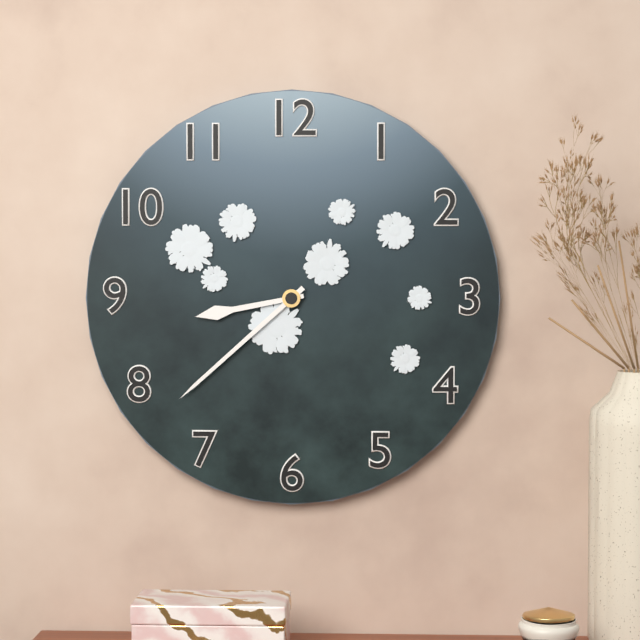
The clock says {"hour": 8, "minute": 38}
